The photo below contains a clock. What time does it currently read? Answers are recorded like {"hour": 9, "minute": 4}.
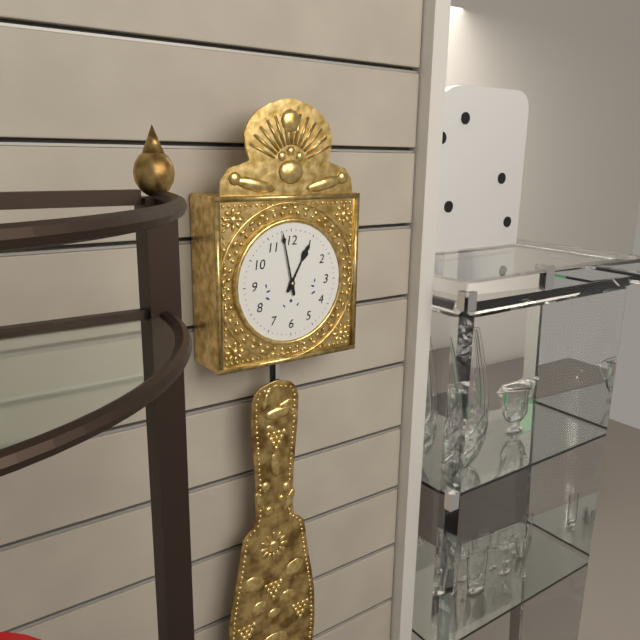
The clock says {"hour": 12, "minute": 58}
